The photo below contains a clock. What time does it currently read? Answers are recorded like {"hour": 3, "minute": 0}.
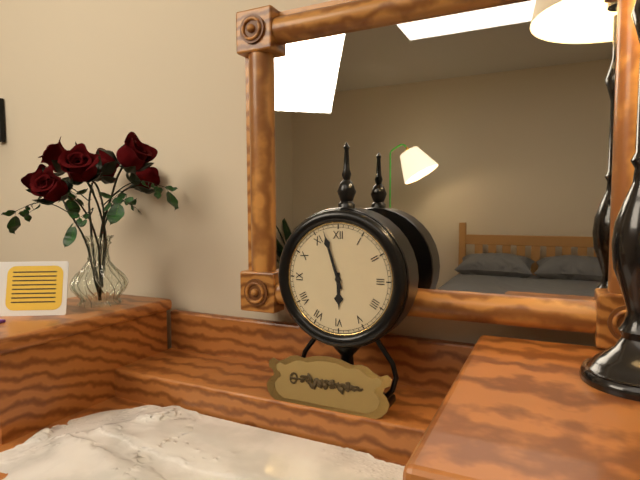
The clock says {"hour": 5, "minute": 57}
